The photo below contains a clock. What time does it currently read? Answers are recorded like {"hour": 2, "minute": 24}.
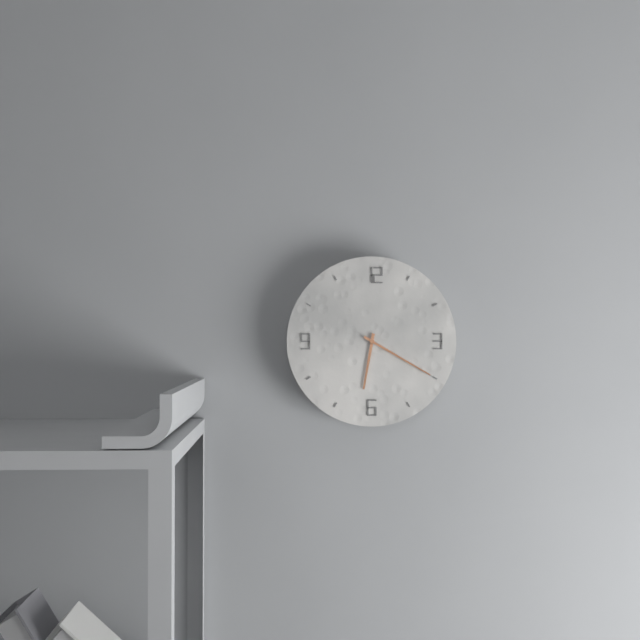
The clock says {"hour": 6, "minute": 20}
